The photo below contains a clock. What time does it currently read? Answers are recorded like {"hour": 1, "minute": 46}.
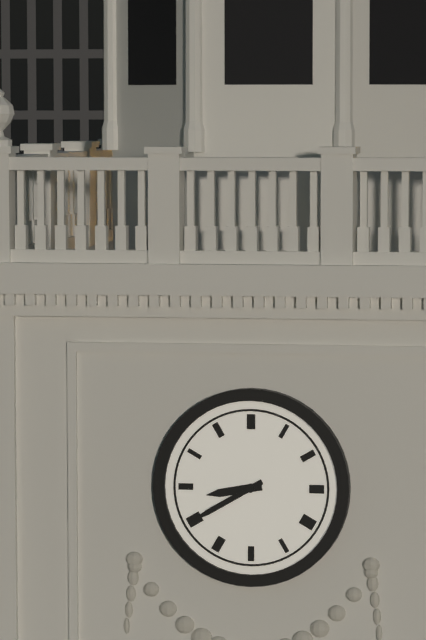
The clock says {"hour": 8, "minute": 40}
